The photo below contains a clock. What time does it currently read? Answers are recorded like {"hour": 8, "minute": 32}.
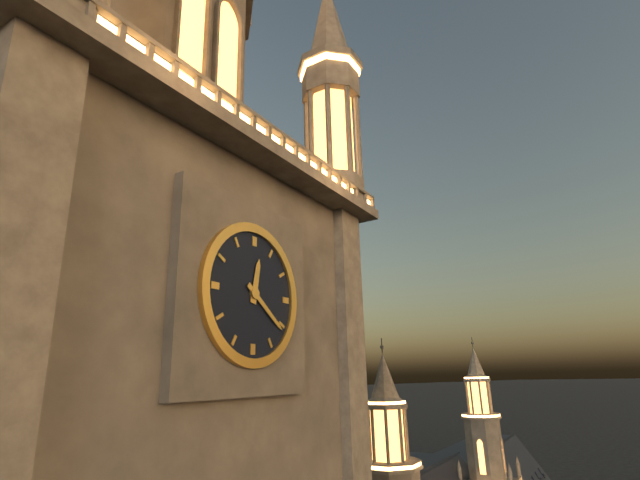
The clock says {"hour": 12, "minute": 21}
